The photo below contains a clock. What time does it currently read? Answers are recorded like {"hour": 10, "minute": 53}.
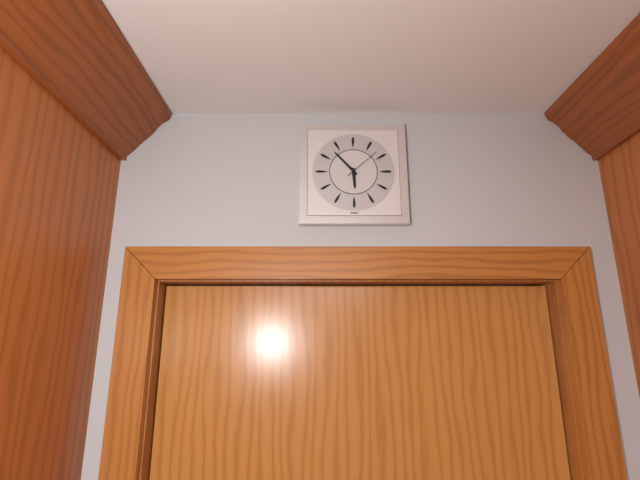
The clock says {"hour": 5, "minute": 53}
